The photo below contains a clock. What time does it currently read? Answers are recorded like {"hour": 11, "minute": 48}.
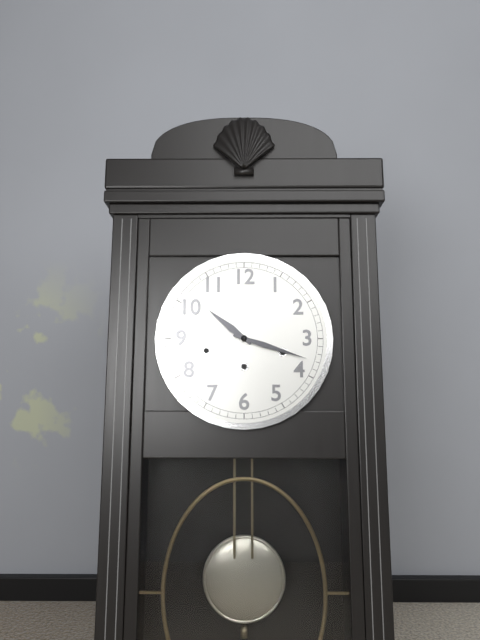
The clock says {"hour": 10, "minute": 18}
